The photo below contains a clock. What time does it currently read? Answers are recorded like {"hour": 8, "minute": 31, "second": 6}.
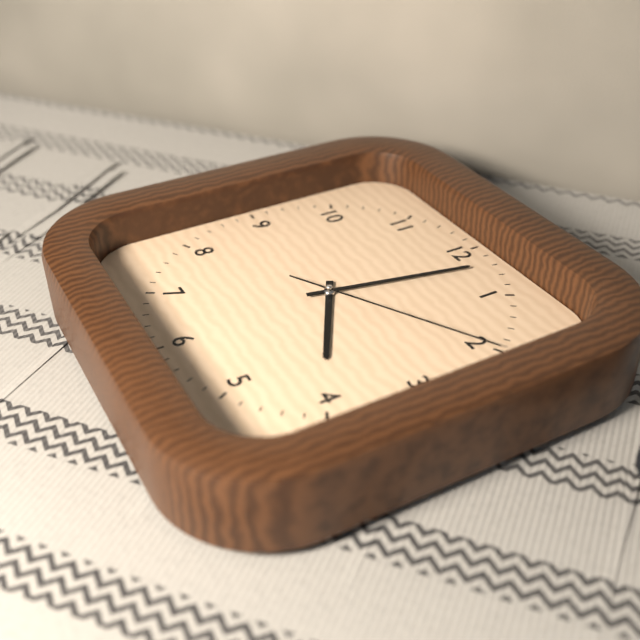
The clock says {"hour": 4, "minute": 2, "second": 10}
